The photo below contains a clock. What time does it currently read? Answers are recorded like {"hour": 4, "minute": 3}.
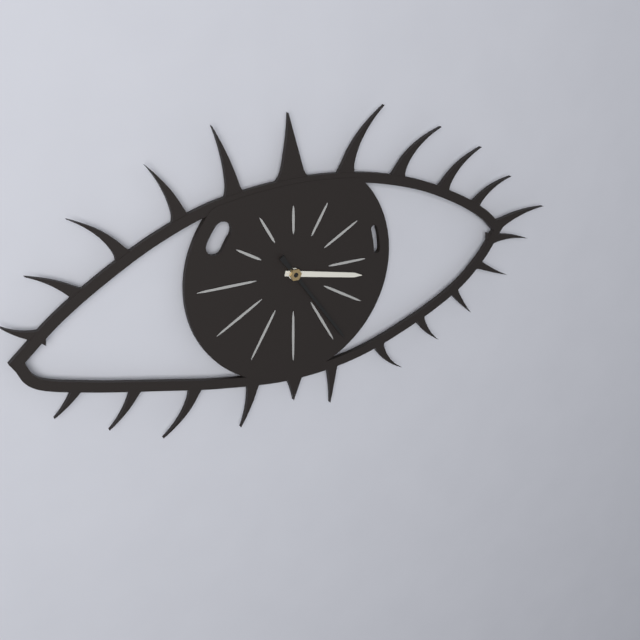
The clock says {"hour": 3, "minute": 24}
